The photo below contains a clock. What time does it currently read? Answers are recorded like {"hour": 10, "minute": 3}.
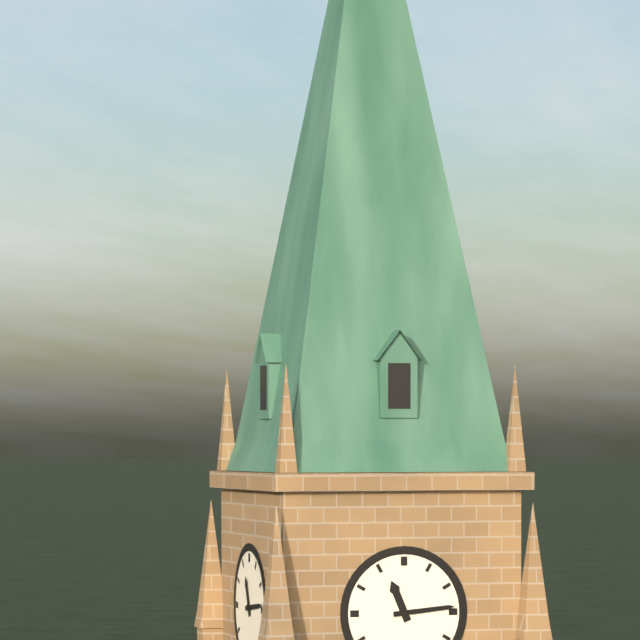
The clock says {"hour": 11, "minute": 14}
